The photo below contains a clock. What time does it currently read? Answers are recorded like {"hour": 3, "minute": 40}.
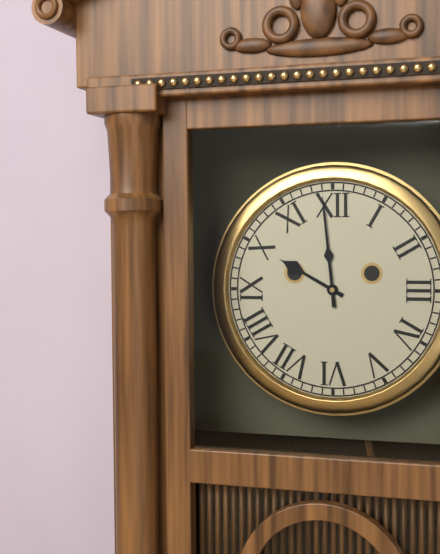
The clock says {"hour": 9, "minute": 59}
